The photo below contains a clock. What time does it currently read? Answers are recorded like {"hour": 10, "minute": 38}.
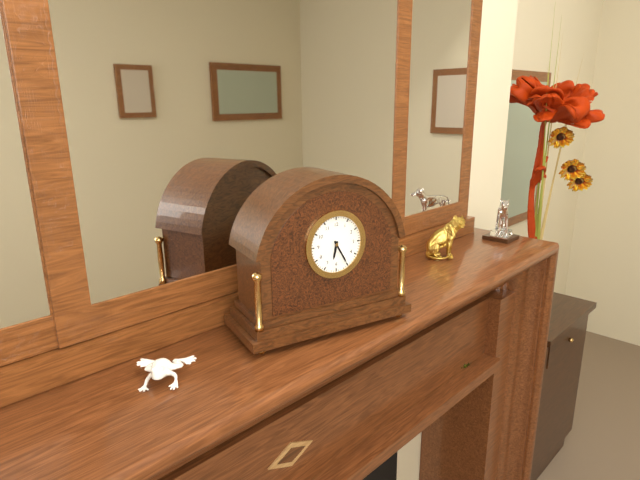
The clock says {"hour": 6, "minute": 25}
